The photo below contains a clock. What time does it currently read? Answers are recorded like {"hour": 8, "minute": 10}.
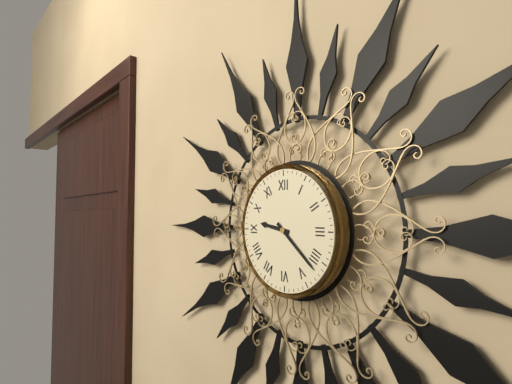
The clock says {"hour": 9, "minute": 22}
